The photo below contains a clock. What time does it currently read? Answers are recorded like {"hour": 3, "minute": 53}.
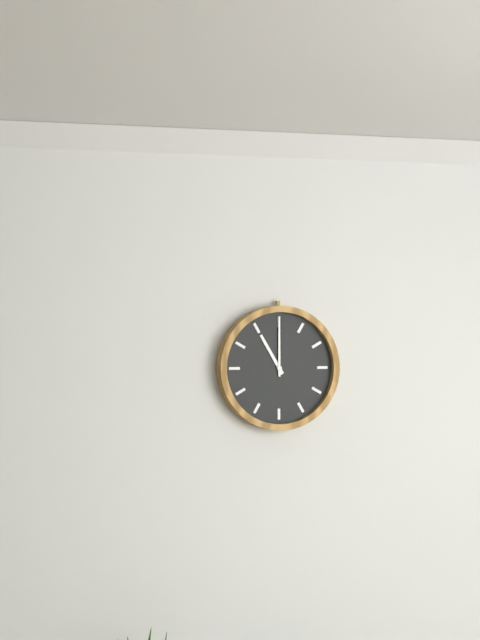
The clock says {"hour": 11, "minute": 0}
